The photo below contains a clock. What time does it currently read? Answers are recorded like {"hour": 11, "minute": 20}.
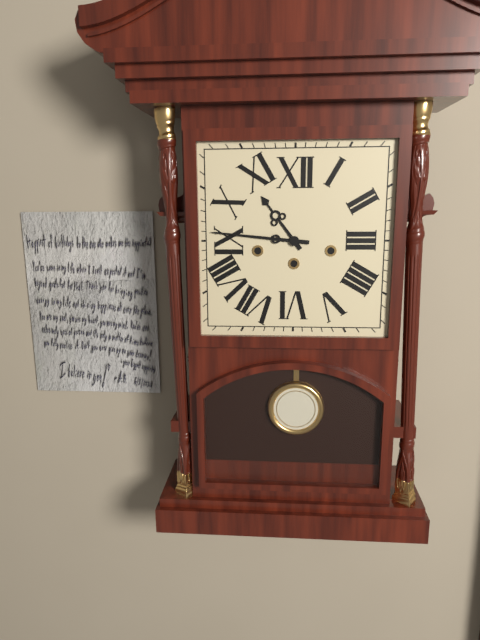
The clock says {"hour": 10, "minute": 46}
